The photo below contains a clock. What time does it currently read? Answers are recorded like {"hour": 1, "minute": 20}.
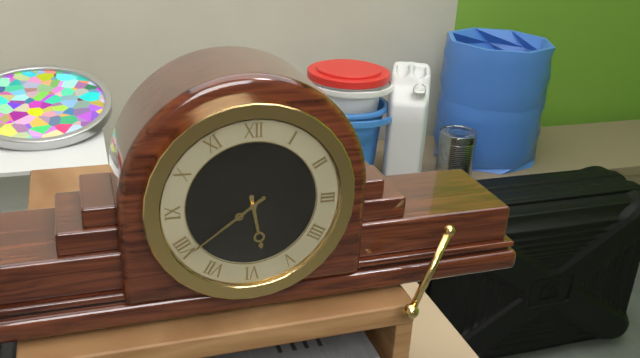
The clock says {"hour": 5, "minute": 39}
